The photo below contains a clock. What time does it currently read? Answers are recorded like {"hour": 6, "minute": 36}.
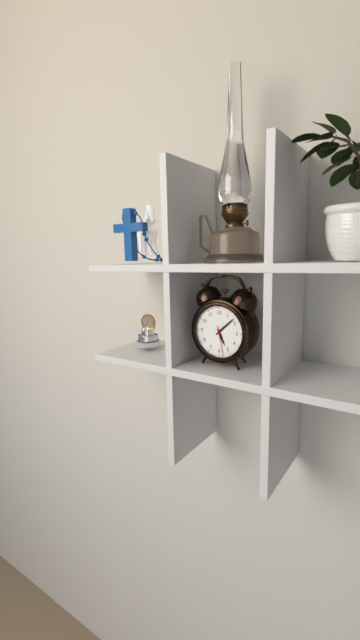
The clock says {"hour": 5, "minute": 8}
